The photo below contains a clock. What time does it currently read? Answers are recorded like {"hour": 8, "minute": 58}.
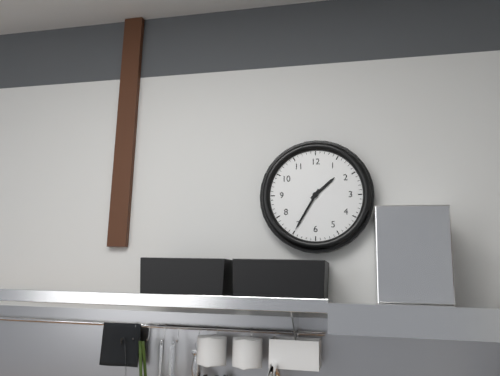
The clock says {"hour": 1, "minute": 35}
